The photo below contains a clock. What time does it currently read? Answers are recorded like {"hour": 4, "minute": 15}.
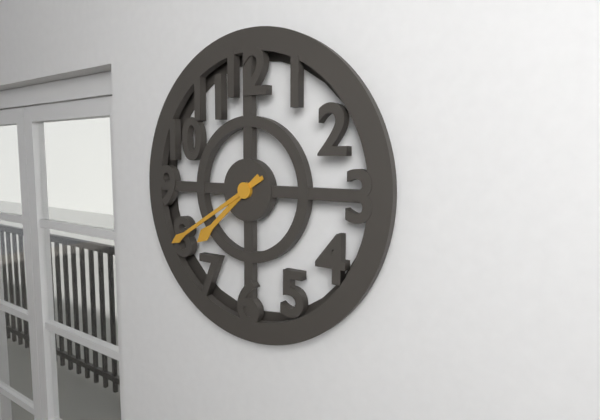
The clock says {"hour": 7, "minute": 40}
